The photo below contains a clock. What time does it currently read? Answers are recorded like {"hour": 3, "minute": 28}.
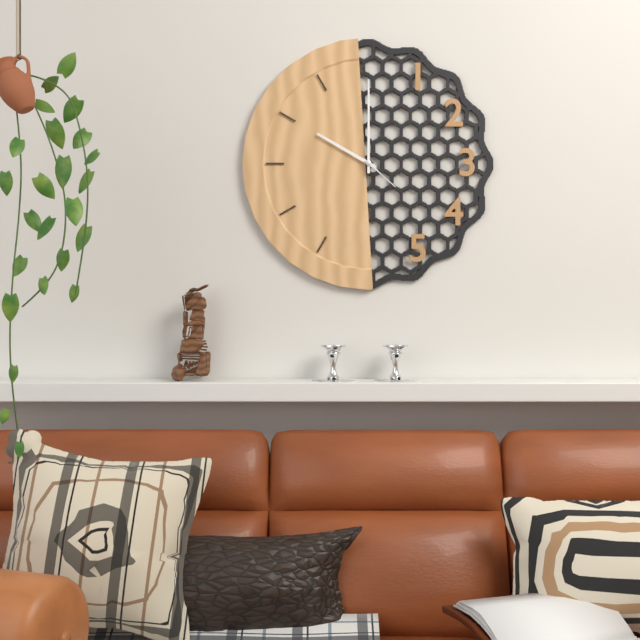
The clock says {"hour": 10, "minute": 0}
